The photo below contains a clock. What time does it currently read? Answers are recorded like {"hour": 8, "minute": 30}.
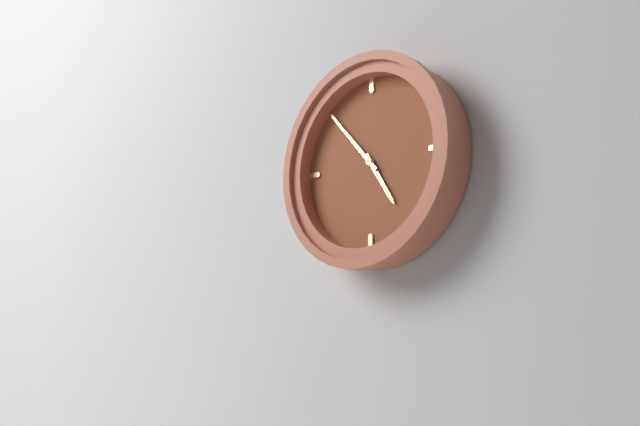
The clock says {"hour": 4, "minute": 53}
